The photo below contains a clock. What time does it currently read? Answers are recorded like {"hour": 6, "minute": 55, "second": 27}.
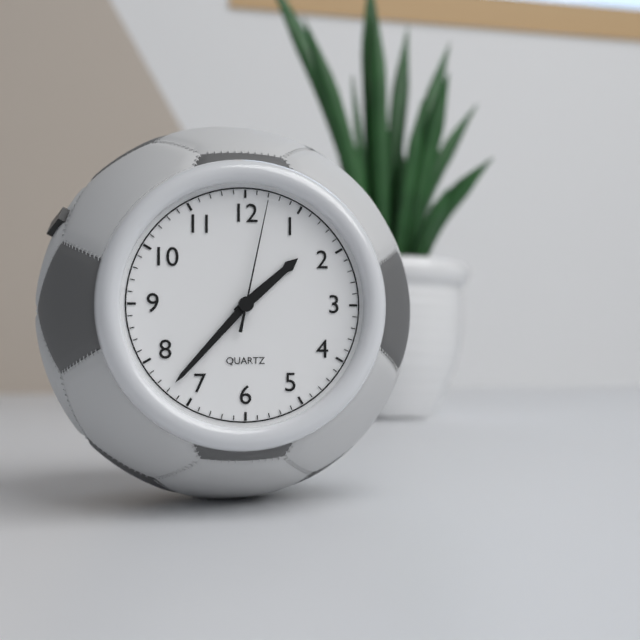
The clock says {"hour": 1, "minute": 37, "second": 2}
